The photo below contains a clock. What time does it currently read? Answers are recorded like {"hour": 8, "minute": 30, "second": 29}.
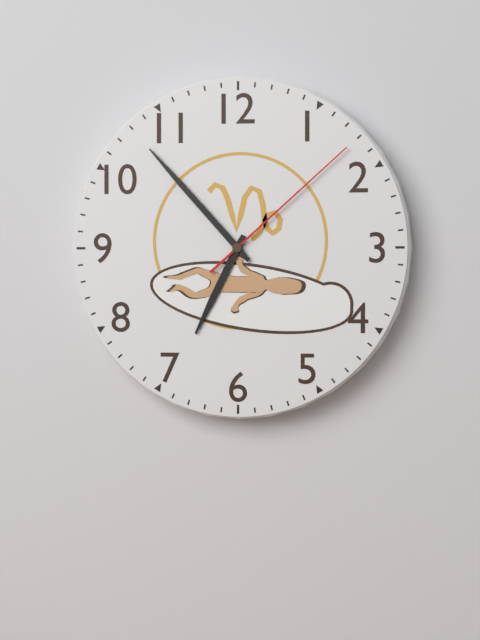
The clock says {"hour": 6, "minute": 53, "second": 8}
